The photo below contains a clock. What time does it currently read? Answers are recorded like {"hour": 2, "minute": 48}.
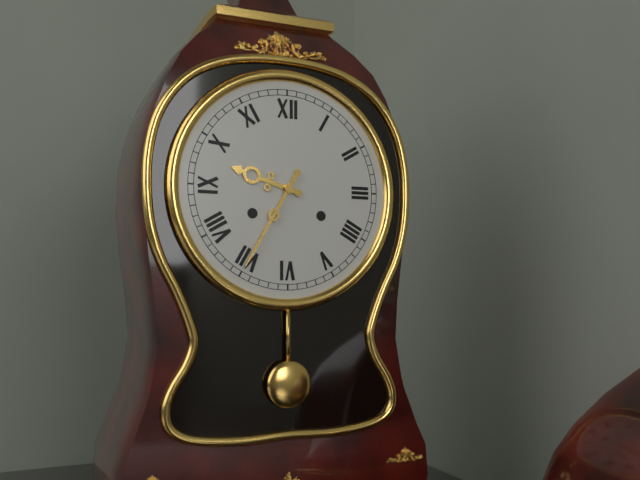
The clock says {"hour": 9, "minute": 35}
